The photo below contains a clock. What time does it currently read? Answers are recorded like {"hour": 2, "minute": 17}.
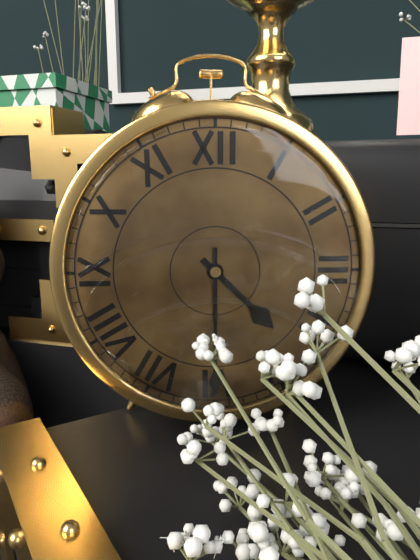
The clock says {"hour": 4, "minute": 30}
